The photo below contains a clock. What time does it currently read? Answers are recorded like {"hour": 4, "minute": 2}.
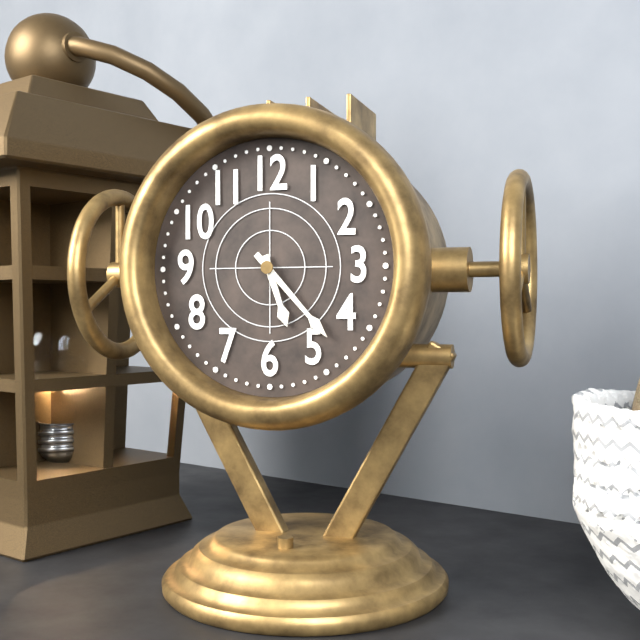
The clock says {"hour": 5, "minute": 23}
